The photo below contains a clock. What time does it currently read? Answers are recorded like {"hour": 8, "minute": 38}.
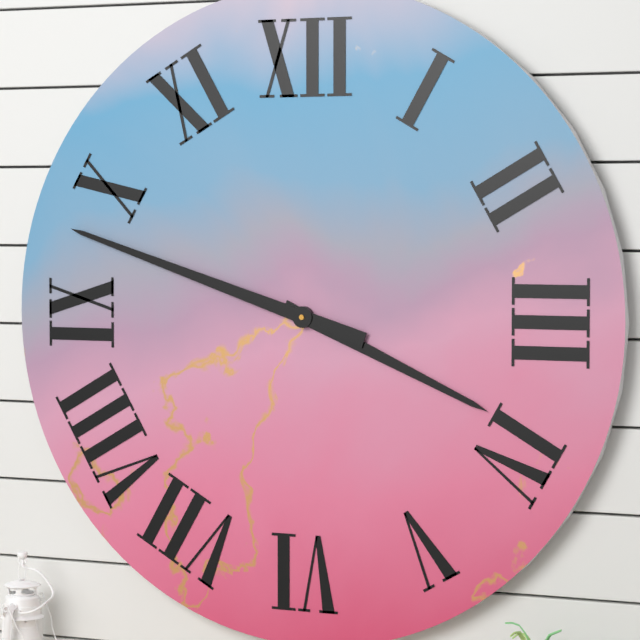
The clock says {"hour": 3, "minute": 48}
